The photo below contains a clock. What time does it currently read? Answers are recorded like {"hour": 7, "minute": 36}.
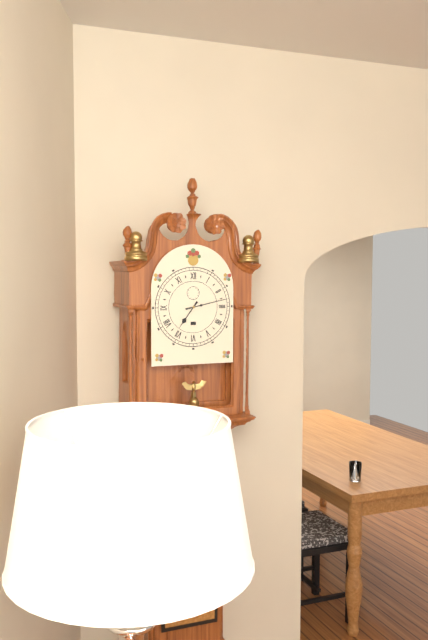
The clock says {"hour": 7, "minute": 13}
